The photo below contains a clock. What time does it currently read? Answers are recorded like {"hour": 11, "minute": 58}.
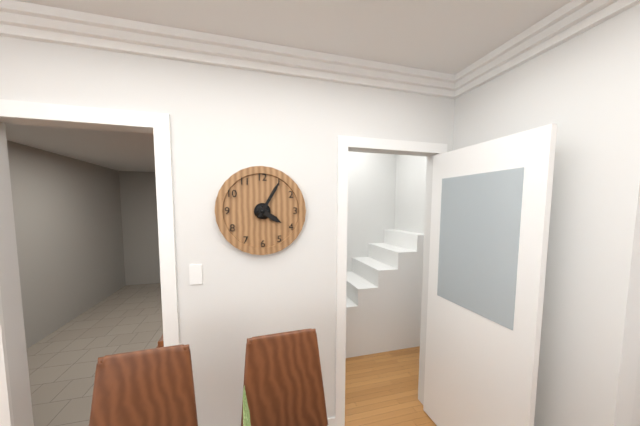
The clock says {"hour": 4, "minute": 5}
